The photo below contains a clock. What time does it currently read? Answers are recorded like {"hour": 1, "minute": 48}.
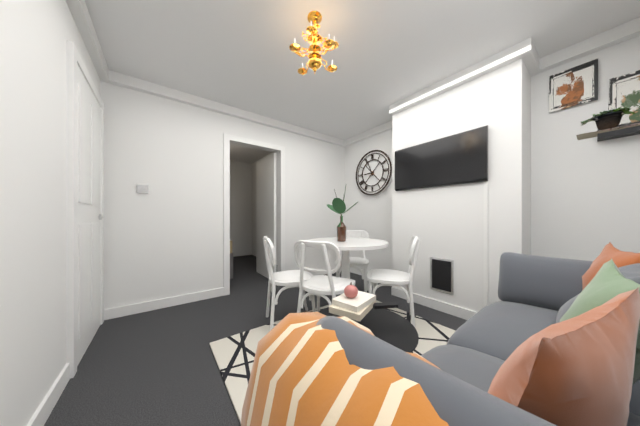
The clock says {"hour": 8, "minute": 56}
